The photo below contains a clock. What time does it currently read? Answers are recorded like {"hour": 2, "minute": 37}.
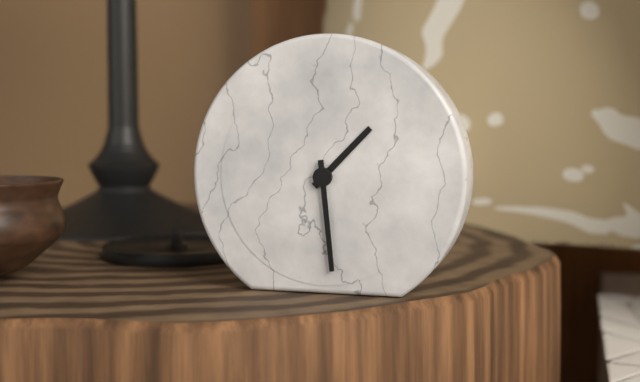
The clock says {"hour": 1, "minute": 29}
